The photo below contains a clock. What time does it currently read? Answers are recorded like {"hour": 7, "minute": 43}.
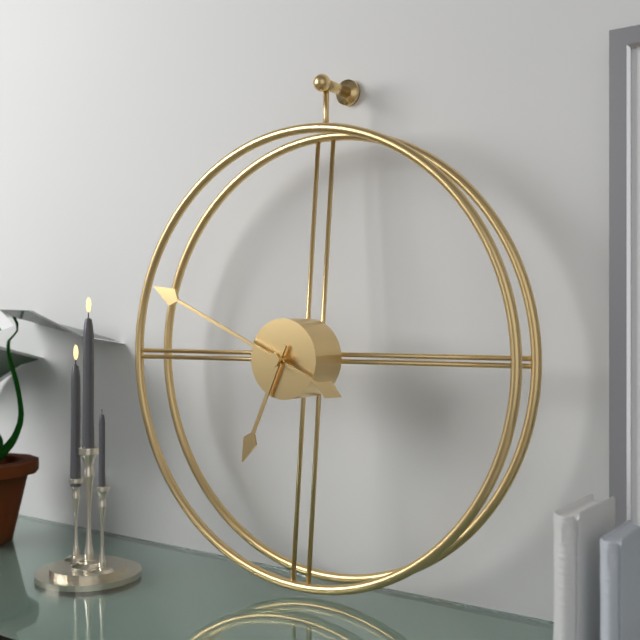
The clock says {"hour": 6, "minute": 49}
